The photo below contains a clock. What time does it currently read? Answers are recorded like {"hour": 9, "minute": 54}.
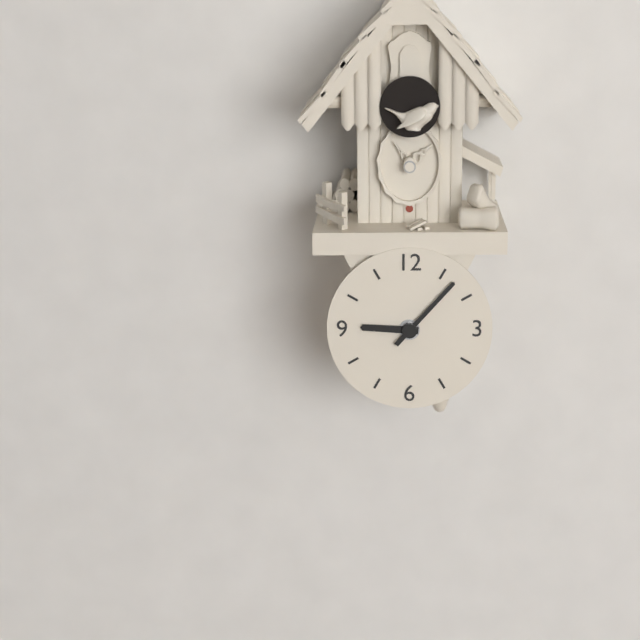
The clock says {"hour": 9, "minute": 7}
